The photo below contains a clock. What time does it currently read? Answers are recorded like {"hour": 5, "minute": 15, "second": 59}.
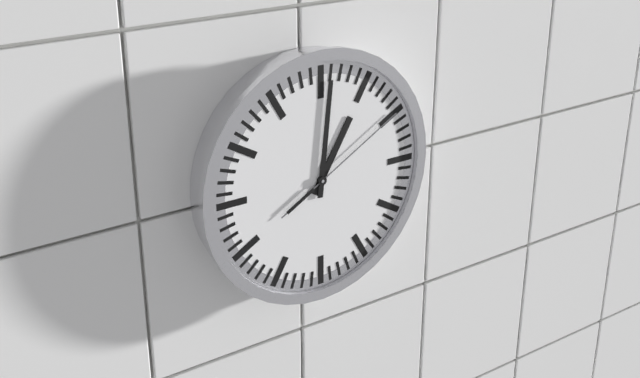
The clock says {"hour": 1, "minute": 1, "second": 10}
